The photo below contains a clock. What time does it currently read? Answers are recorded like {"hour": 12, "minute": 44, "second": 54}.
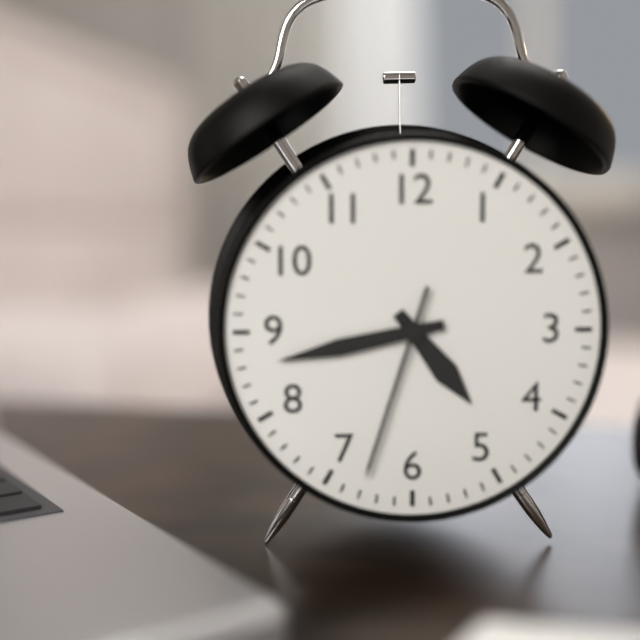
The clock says {"hour": 4, "minute": 43, "second": 33}
